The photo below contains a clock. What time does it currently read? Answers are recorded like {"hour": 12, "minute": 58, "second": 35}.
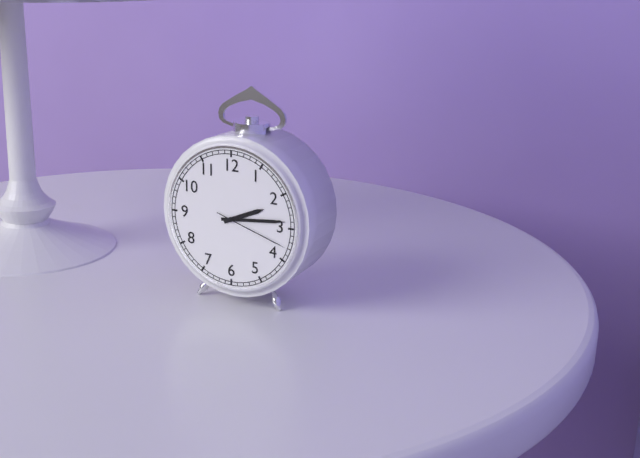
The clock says {"hour": 2, "minute": 14, "second": 18}
